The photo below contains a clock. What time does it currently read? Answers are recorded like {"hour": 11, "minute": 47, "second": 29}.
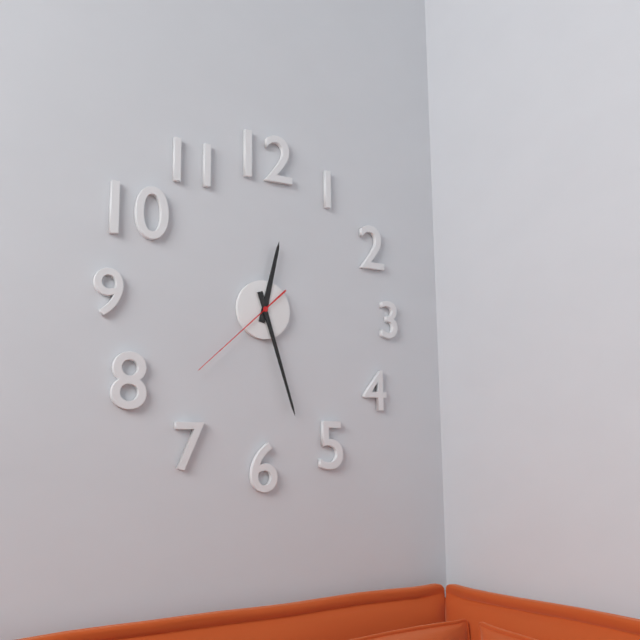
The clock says {"hour": 12, "minute": 27, "second": 38}
